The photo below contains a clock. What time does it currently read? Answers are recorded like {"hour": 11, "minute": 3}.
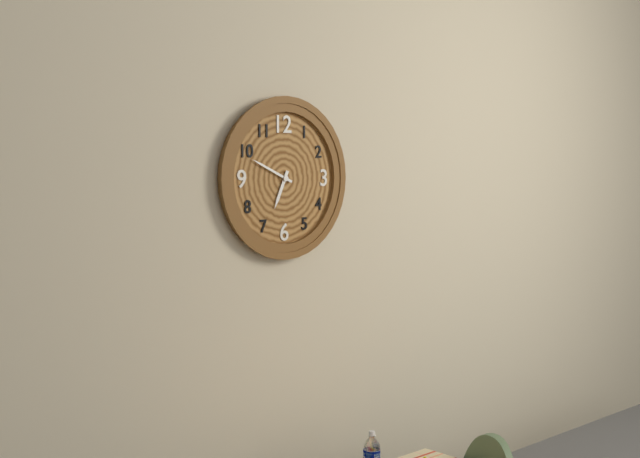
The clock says {"hour": 6, "minute": 49}
